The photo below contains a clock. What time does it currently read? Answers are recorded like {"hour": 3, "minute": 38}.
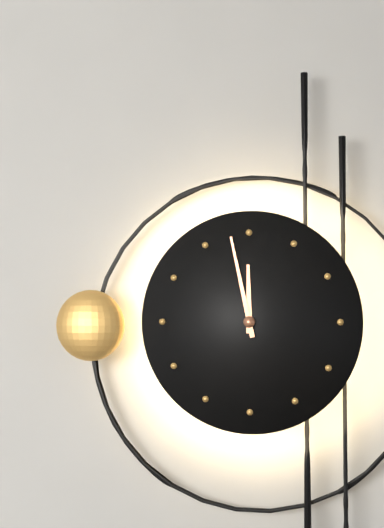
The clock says {"hour": 11, "minute": 58}
